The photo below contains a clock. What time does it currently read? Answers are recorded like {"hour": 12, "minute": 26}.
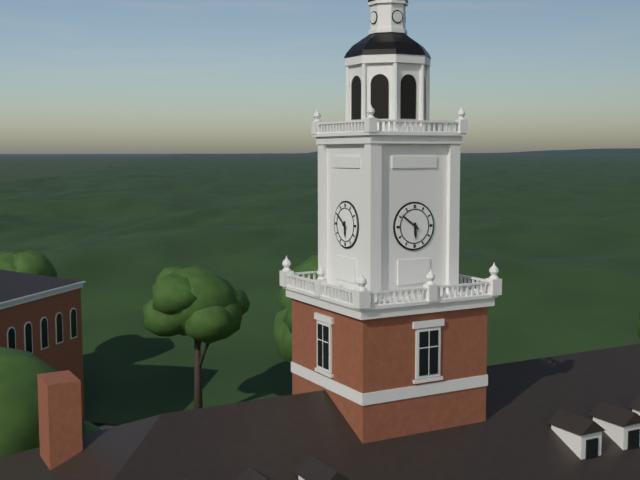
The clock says {"hour": 5, "minute": 51}
